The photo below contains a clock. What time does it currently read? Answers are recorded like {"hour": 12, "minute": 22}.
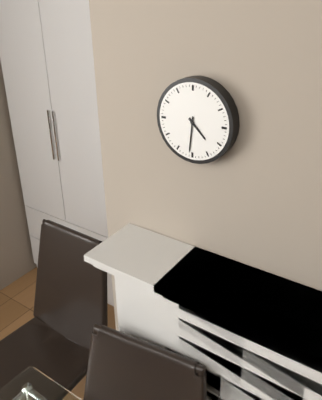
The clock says {"hour": 4, "minute": 31}
